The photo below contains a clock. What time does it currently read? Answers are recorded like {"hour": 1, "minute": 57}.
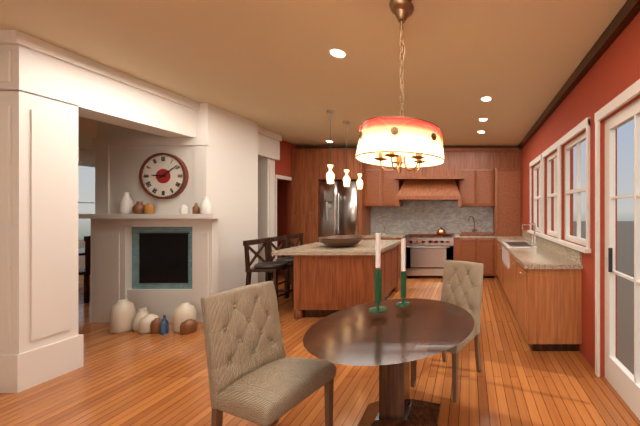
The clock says {"hour": 9, "minute": 9}
